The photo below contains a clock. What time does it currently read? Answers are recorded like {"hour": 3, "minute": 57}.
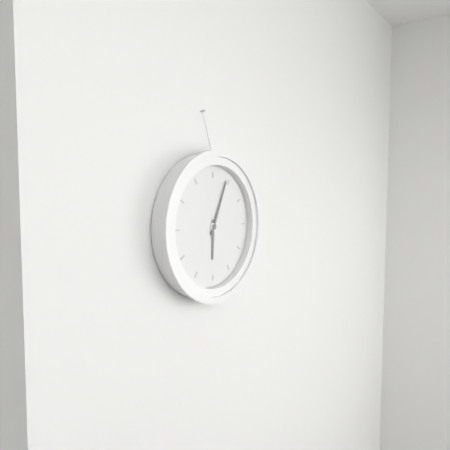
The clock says {"hour": 6, "minute": 4}
